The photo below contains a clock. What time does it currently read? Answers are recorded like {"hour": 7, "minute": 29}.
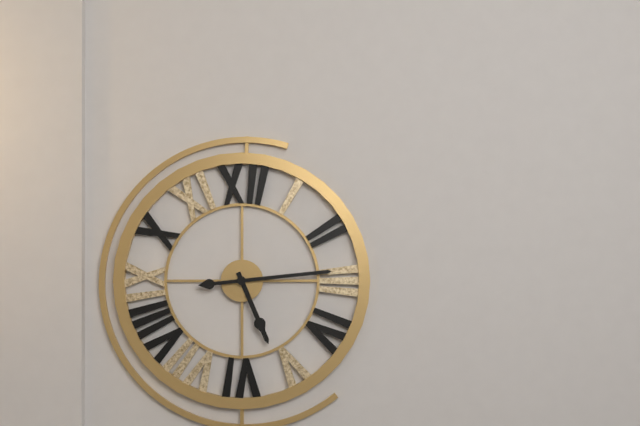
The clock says {"hour": 5, "minute": 14}
